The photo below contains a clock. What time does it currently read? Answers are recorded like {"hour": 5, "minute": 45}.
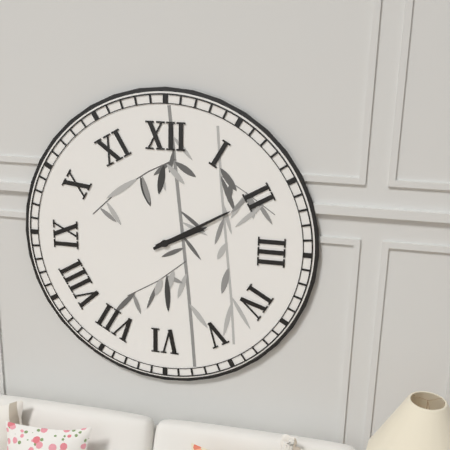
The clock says {"hour": 2, "minute": 10}
